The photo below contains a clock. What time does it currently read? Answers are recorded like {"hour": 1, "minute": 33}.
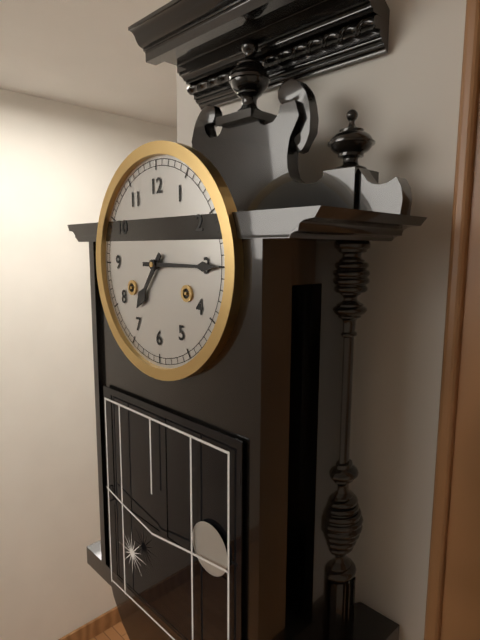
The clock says {"hour": 7, "minute": 15}
